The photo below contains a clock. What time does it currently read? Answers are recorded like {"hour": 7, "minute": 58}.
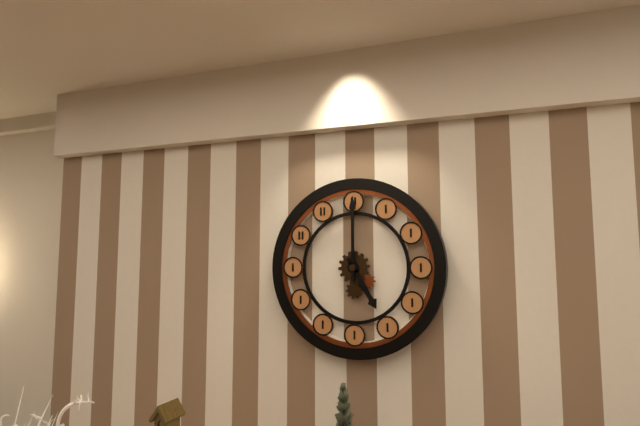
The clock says {"hour": 5, "minute": 0}
